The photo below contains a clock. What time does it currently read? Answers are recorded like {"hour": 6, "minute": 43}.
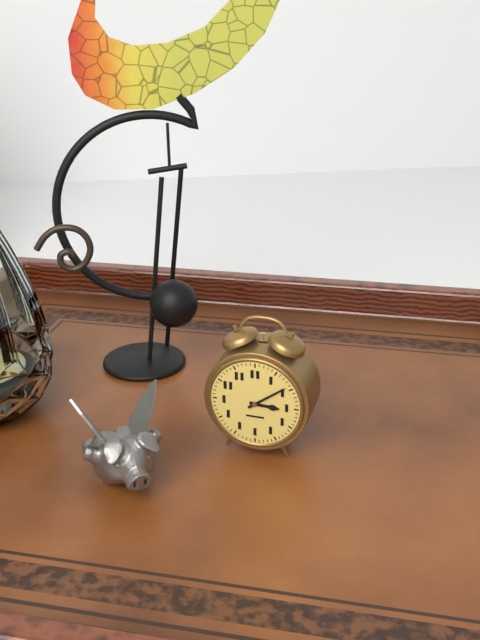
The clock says {"hour": 3, "minute": 9}
